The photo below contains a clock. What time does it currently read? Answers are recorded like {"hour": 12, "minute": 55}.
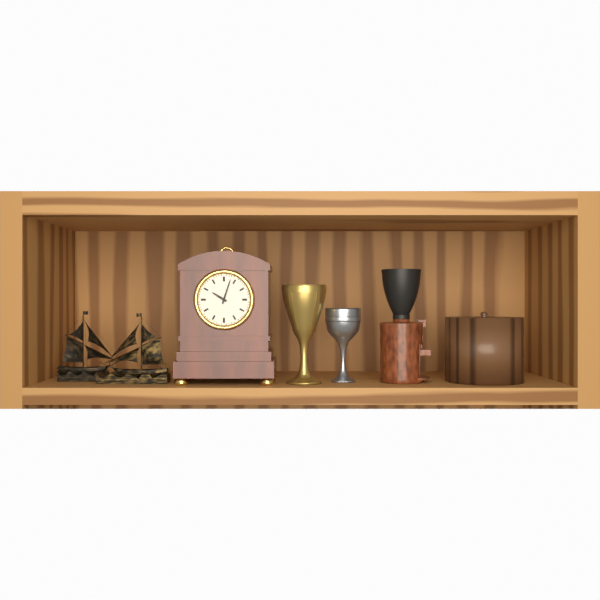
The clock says {"hour": 10, "minute": 3}
